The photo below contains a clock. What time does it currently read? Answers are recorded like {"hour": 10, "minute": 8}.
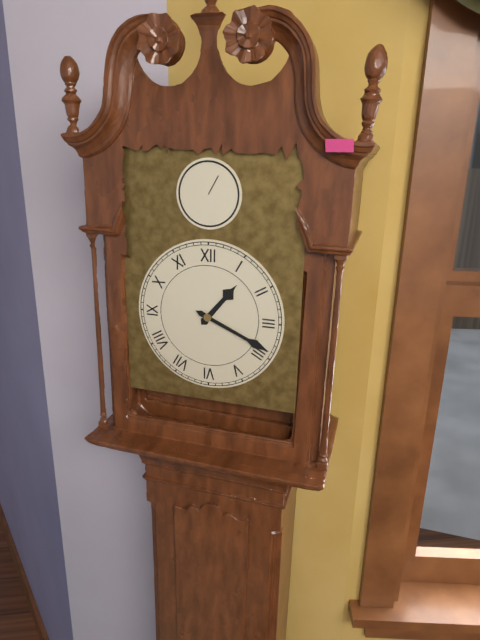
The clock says {"hour": 1, "minute": 19}
